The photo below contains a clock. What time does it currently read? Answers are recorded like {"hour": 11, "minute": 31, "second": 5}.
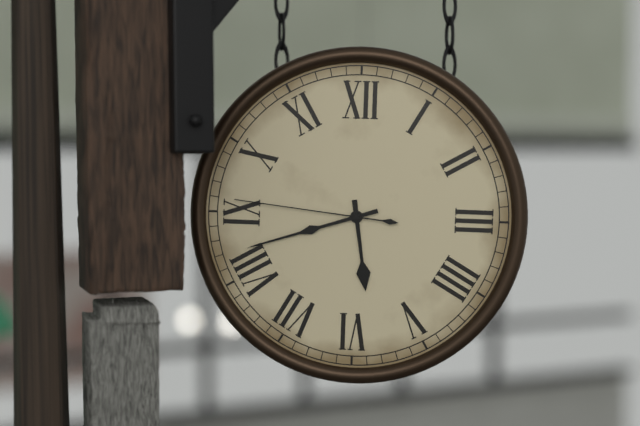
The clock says {"hour": 5, "minute": 42, "second": 46}
